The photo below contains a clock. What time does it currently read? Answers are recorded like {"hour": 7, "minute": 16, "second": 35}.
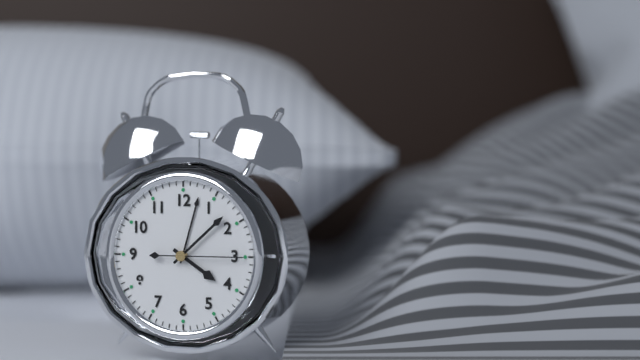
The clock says {"hour": 4, "minute": 8, "second": 15}
